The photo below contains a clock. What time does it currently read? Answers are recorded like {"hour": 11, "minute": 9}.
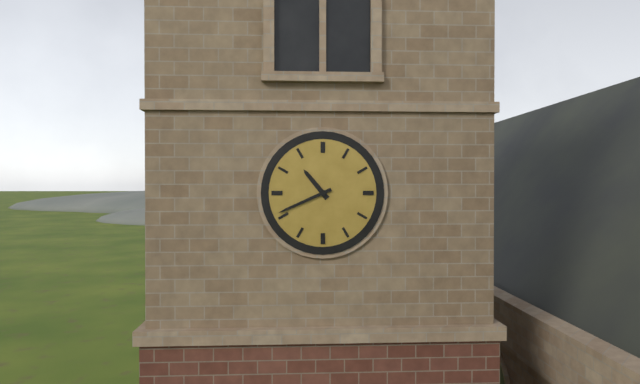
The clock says {"hour": 10, "minute": 41}
